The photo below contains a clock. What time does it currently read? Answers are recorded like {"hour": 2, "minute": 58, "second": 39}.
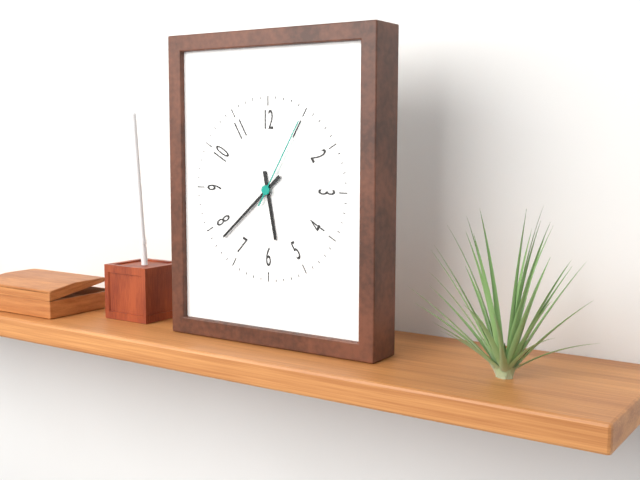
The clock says {"hour": 5, "minute": 38, "second": 5}
